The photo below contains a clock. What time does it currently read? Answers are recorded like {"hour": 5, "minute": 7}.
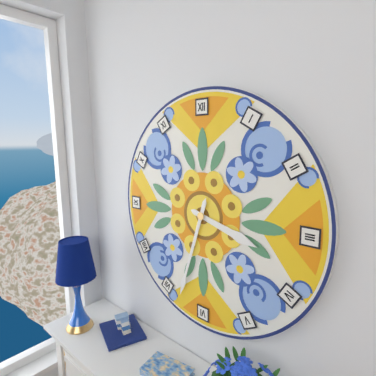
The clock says {"hour": 3, "minute": 33}
